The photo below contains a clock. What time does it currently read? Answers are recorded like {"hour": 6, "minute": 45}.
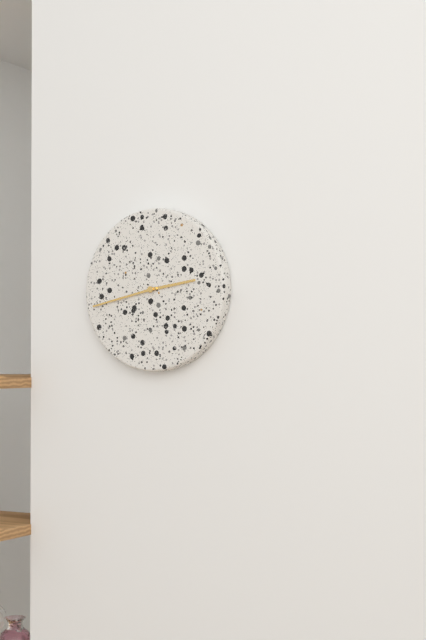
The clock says {"hour": 2, "minute": 43}
